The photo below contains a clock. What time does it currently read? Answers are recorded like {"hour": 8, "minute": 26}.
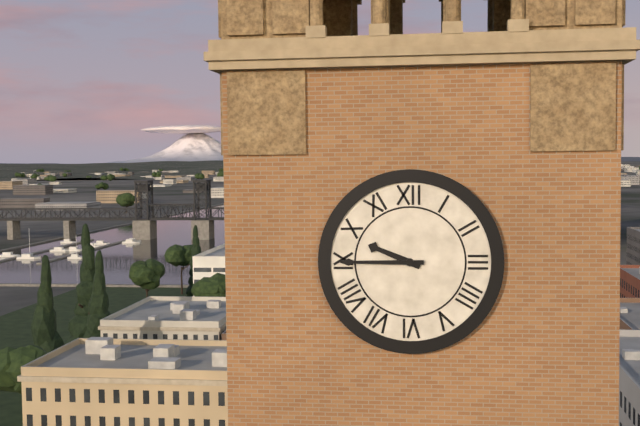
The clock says {"hour": 9, "minute": 45}
